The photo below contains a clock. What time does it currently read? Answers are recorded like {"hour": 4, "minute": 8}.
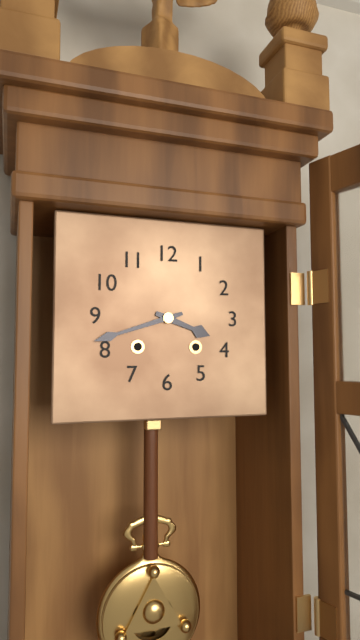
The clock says {"hour": 3, "minute": 42}
